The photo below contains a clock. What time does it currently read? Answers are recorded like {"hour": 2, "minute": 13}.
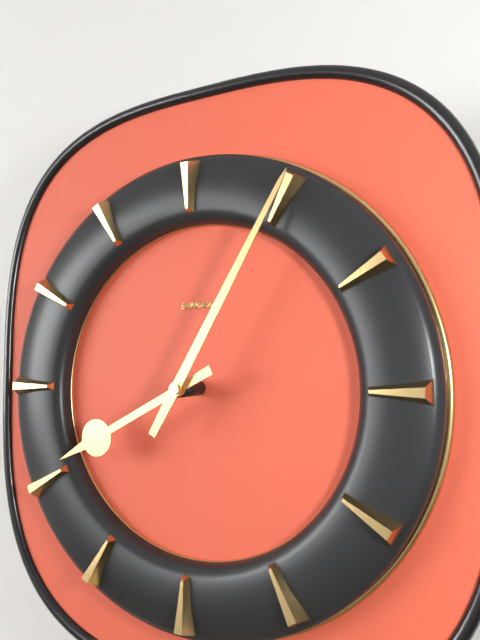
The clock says {"hour": 8, "minute": 5}
